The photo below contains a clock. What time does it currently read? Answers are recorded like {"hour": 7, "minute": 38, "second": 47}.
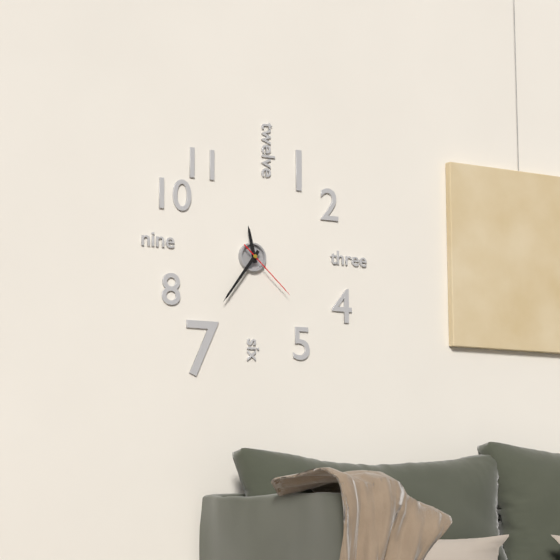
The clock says {"hour": 11, "minute": 36, "second": 22}
